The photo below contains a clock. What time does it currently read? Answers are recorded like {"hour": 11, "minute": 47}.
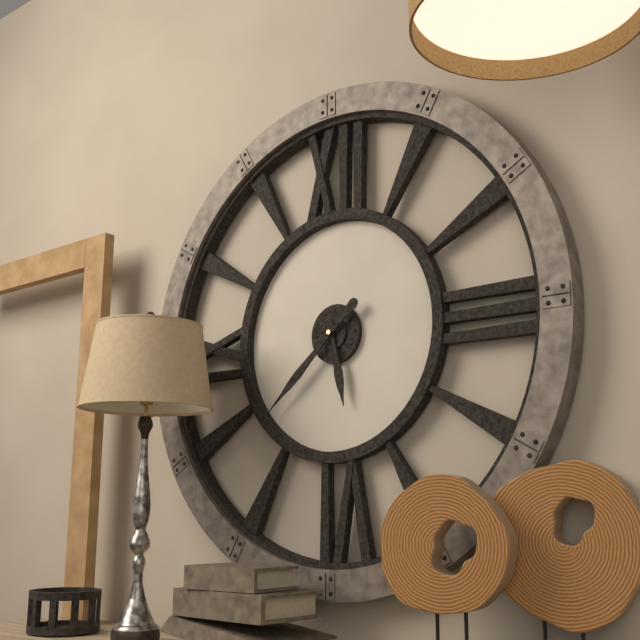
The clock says {"hour": 5, "minute": 38}
